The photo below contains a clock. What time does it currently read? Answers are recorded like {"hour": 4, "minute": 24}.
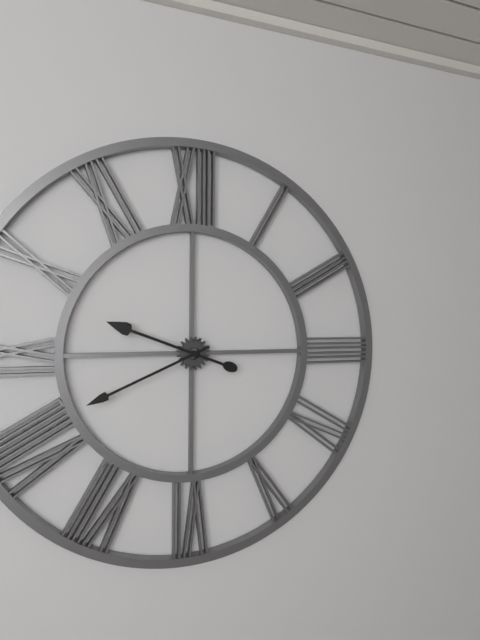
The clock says {"hour": 9, "minute": 41}
